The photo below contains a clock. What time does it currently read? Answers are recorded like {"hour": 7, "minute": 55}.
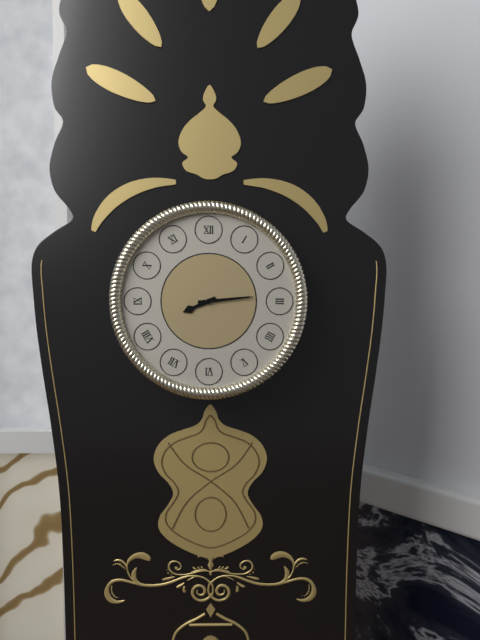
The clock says {"hour": 8, "minute": 14}
